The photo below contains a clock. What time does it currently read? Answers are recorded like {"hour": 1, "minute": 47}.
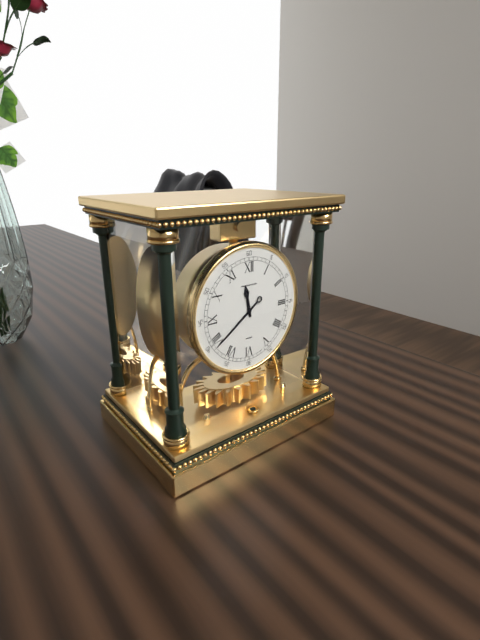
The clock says {"hour": 11, "minute": 39}
